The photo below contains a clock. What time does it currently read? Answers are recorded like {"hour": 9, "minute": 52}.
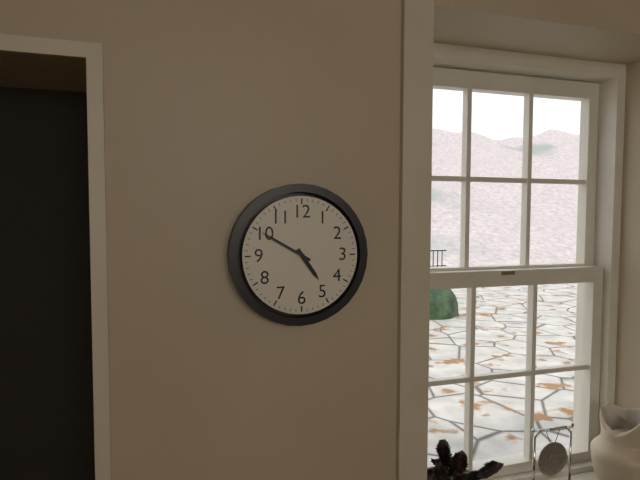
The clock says {"hour": 4, "minute": 50}
